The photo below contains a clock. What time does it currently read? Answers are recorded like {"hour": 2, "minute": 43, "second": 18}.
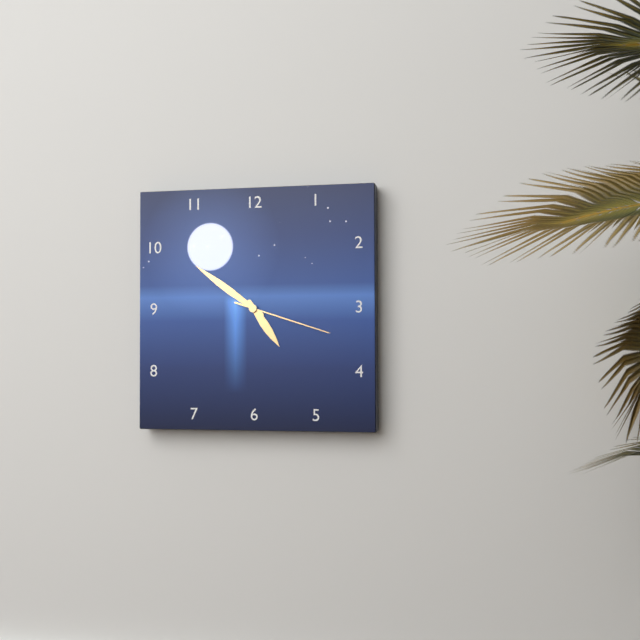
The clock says {"hour": 4, "minute": 51, "second": 18}
